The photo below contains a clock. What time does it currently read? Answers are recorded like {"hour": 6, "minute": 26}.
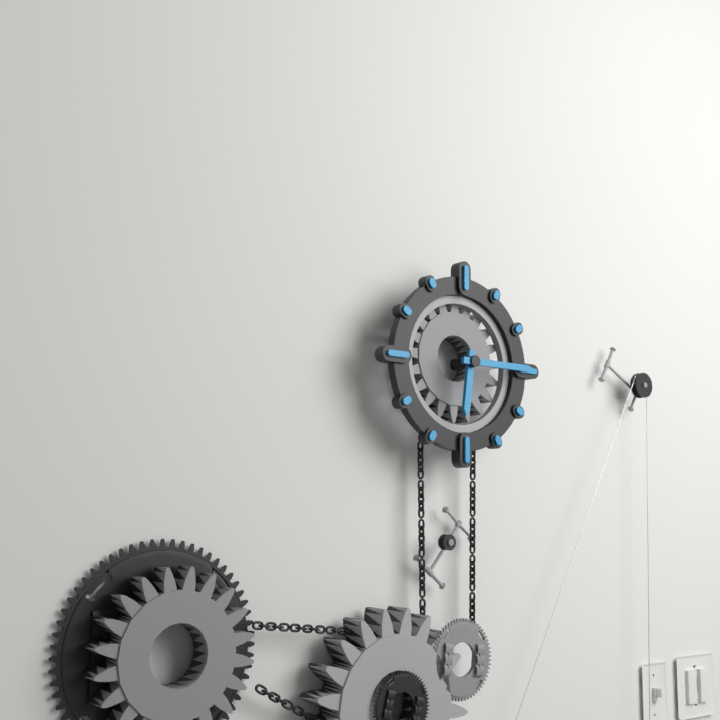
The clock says {"hour": 6, "minute": 15}
